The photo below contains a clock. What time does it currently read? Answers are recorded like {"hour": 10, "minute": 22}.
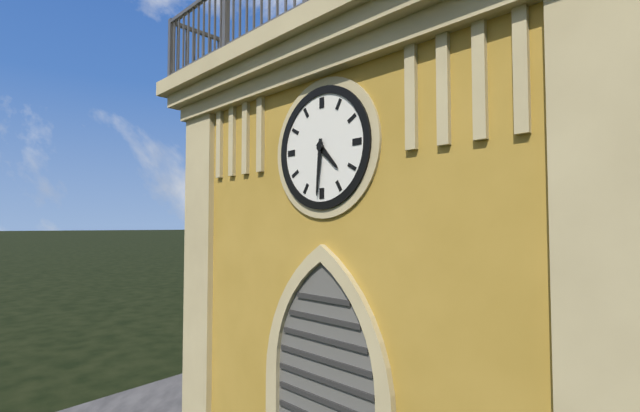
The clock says {"hour": 4, "minute": 31}
